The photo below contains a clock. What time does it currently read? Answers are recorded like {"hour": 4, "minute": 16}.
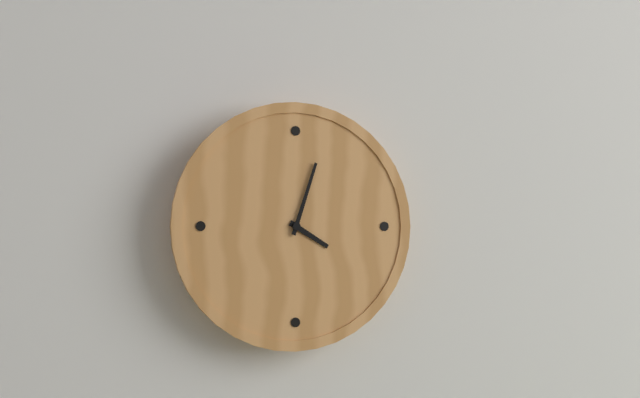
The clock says {"hour": 4, "minute": 3}
